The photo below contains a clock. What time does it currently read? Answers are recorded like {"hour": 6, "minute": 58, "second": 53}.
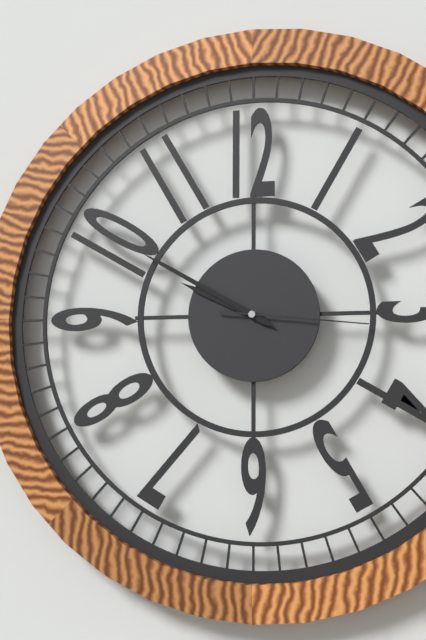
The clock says {"hour": 9, "minute": 50, "second": 16}
